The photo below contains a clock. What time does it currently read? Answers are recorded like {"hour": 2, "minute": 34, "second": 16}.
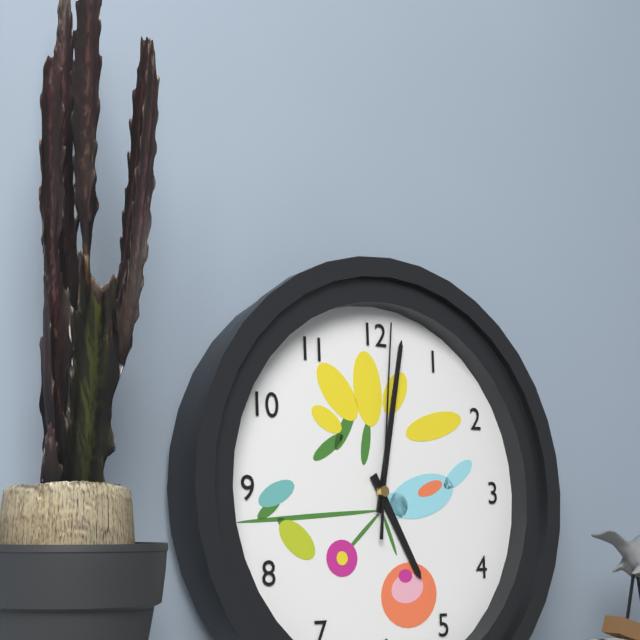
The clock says {"hour": 5, "minute": 2, "second": 1}
